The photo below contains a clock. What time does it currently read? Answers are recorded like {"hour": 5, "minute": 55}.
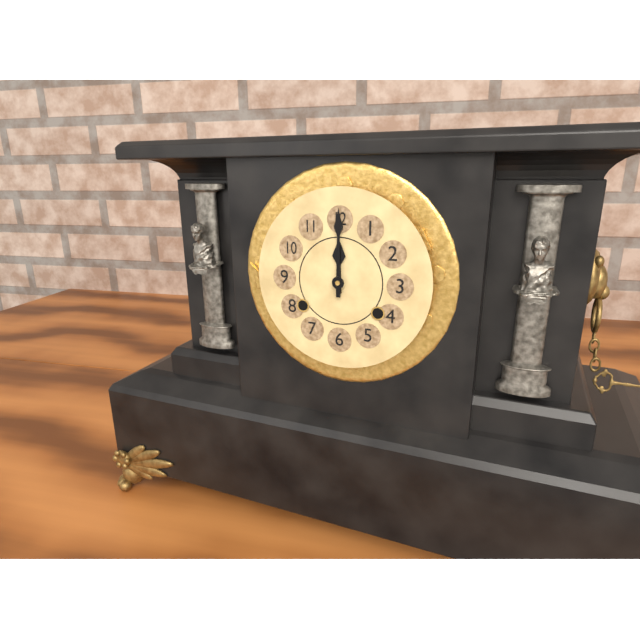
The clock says {"hour": 12, "minute": 0}
